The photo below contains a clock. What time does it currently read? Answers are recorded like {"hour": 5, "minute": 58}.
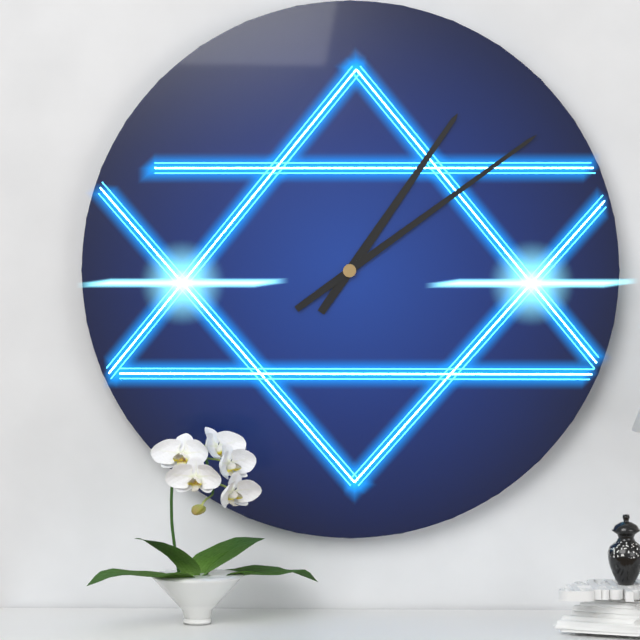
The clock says {"hour": 1, "minute": 9}
